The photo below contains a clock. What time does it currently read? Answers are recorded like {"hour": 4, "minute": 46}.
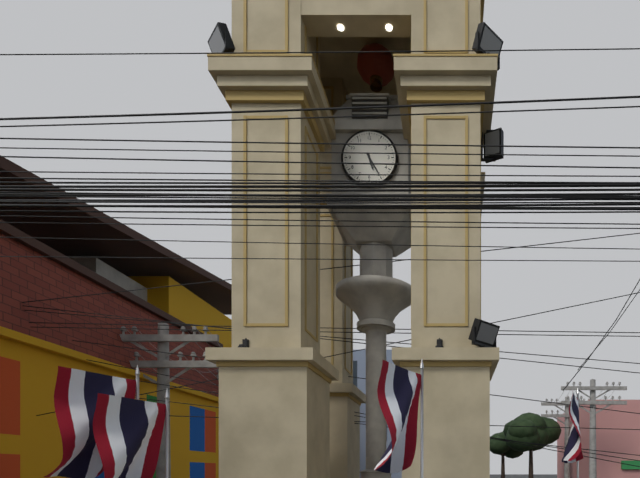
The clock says {"hour": 5, "minute": 25}
